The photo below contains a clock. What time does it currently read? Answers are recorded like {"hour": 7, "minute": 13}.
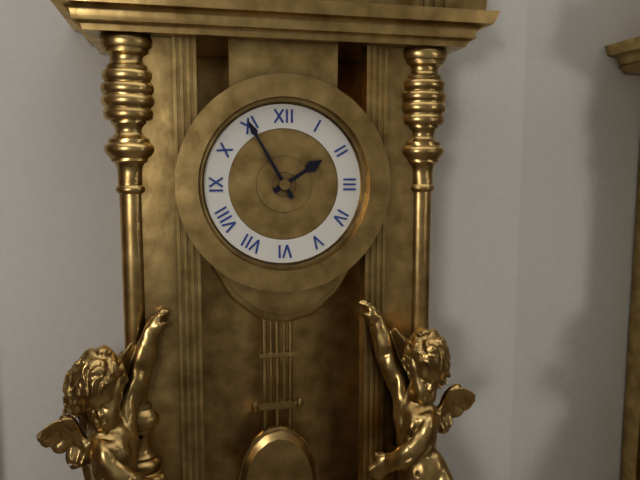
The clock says {"hour": 1, "minute": 55}
